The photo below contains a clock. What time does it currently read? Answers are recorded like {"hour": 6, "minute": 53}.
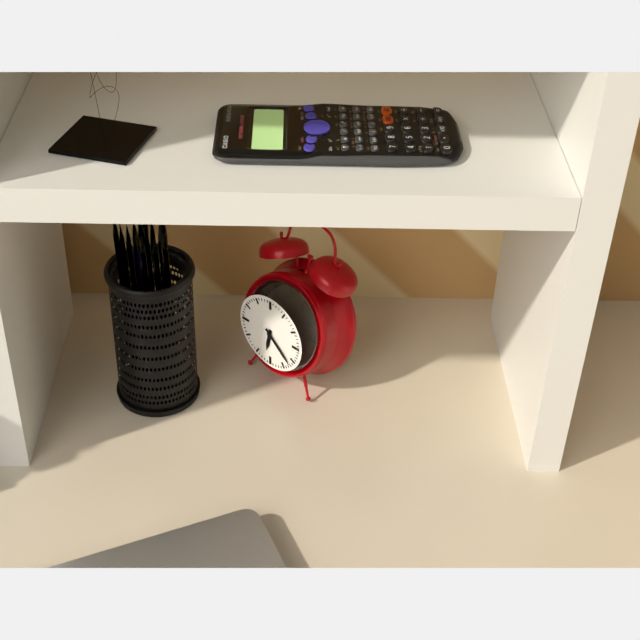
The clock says {"hour": 6, "minute": 22}
